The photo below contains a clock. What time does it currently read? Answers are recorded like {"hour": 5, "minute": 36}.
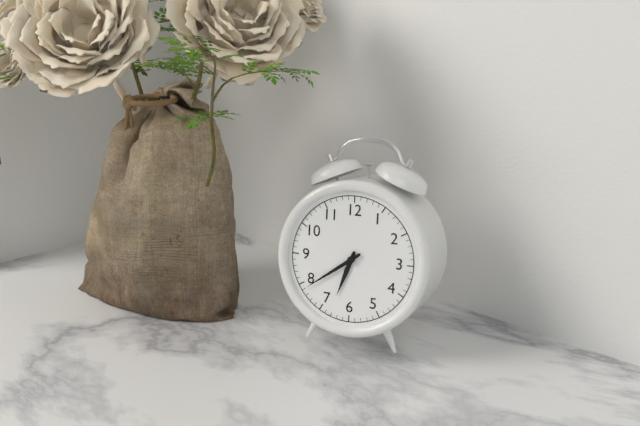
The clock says {"hour": 6, "minute": 39}
